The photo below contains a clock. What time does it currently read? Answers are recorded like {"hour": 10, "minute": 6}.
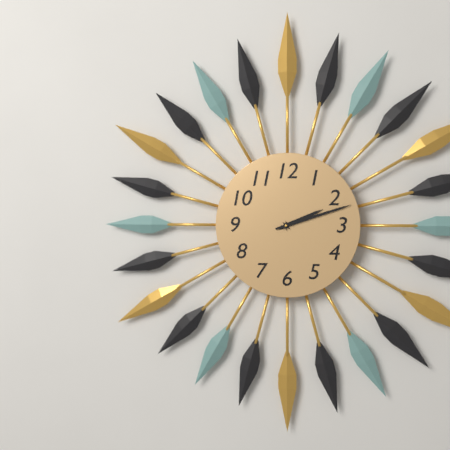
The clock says {"hour": 2, "minute": 12}
